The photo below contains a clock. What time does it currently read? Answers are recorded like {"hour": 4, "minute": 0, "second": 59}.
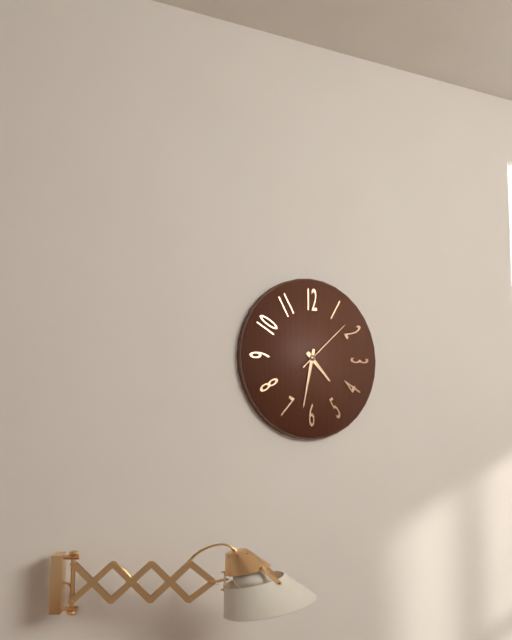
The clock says {"hour": 4, "minute": 32, "second": 8}
